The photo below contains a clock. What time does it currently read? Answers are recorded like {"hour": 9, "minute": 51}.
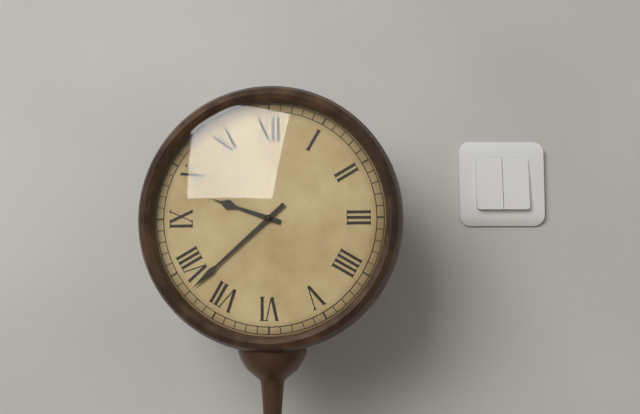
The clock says {"hour": 9, "minute": 38}
